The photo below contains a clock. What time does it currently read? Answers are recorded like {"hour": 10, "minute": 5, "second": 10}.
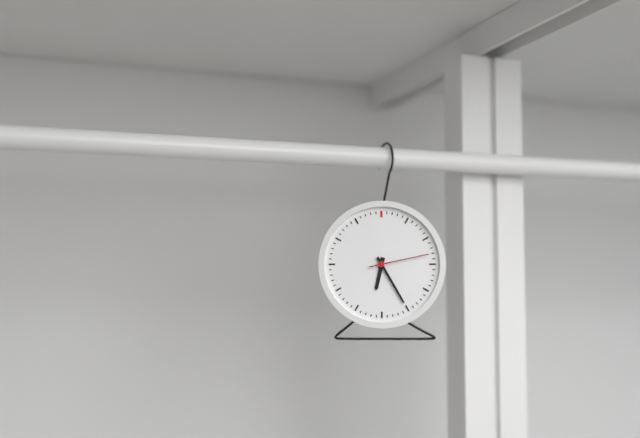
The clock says {"hour": 6, "minute": 25, "second": 13}
